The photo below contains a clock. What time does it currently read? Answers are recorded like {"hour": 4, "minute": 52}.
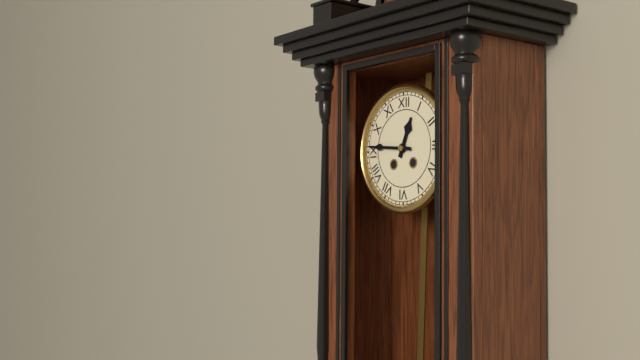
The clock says {"hour": 12, "minute": 46}
